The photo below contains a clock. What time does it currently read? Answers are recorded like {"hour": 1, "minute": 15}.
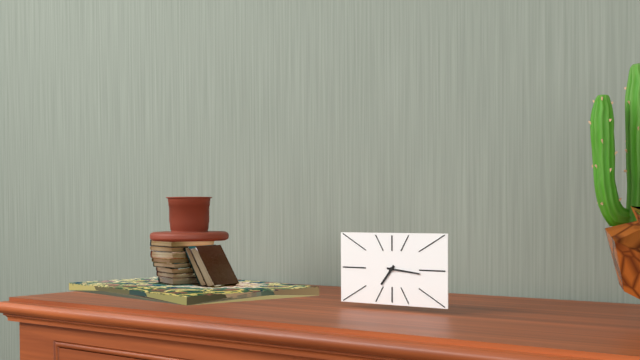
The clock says {"hour": 7, "minute": 16}
